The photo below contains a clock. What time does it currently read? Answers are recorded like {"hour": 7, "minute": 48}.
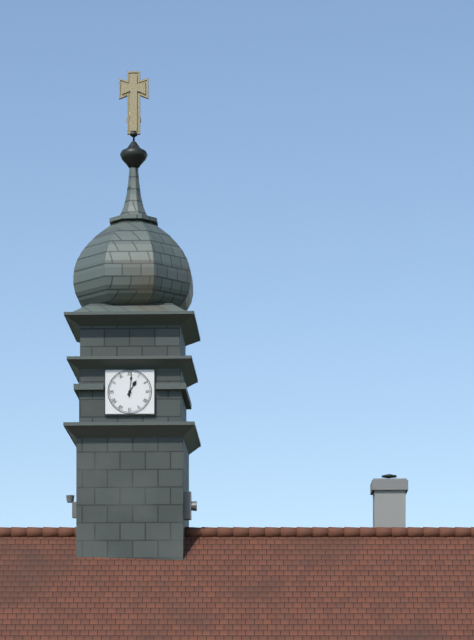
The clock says {"hour": 1, "minute": 1}
